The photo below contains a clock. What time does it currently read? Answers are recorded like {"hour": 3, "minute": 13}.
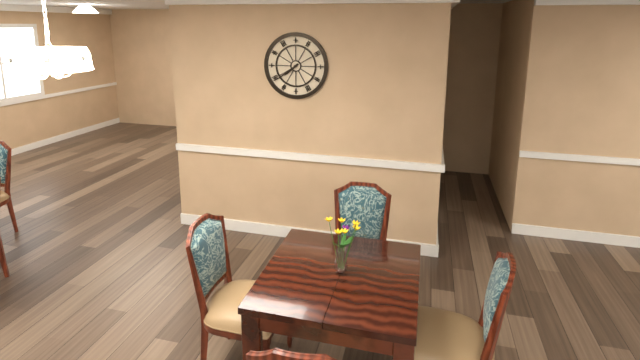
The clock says {"hour": 7, "minute": 39}
